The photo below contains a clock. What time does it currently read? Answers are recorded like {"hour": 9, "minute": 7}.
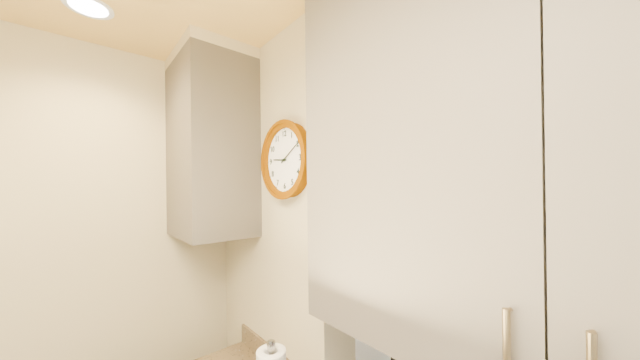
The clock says {"hour": 9, "minute": 10}
